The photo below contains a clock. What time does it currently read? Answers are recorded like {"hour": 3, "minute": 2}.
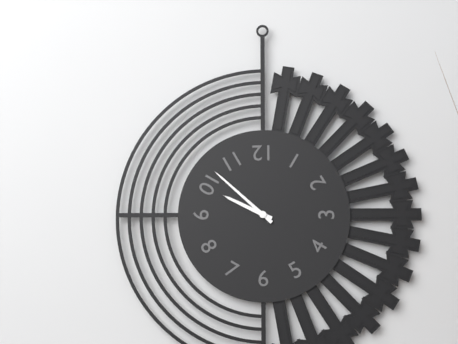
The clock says {"hour": 9, "minute": 52}
